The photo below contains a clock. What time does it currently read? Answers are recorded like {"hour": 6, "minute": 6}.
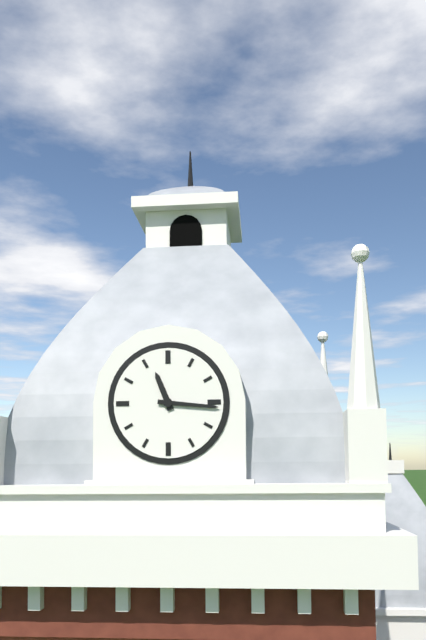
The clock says {"hour": 11, "minute": 16}
